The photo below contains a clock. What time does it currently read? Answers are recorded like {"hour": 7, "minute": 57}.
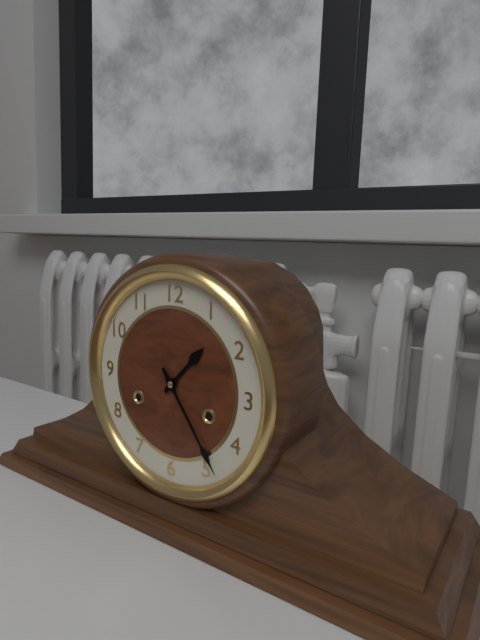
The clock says {"hour": 1, "minute": 24}
